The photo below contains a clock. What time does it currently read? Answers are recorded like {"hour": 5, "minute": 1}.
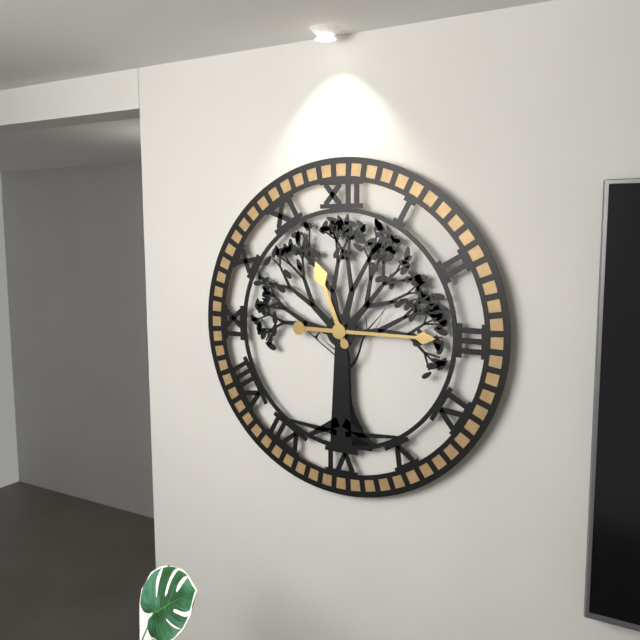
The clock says {"hour": 11, "minute": 15}
